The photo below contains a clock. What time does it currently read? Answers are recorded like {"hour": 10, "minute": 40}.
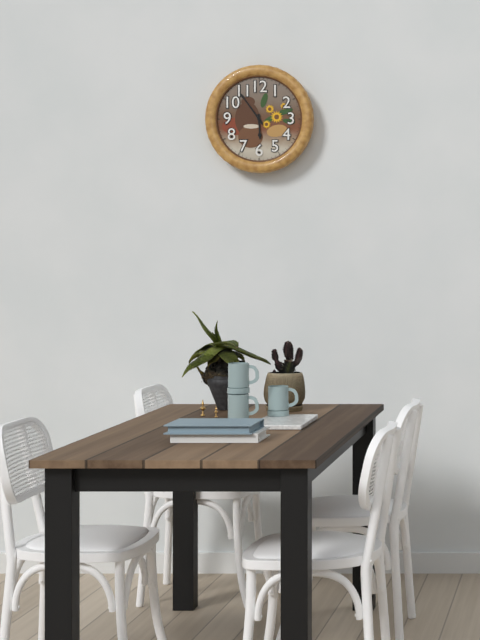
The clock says {"hour": 5, "minute": 54}
